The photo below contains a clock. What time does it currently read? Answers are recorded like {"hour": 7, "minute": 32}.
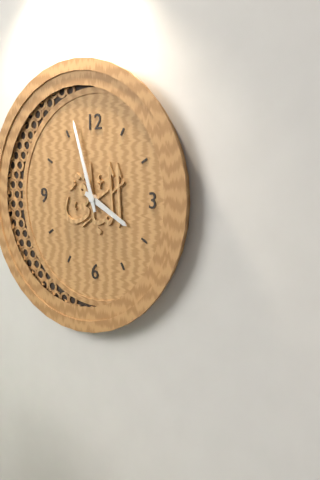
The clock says {"hour": 3, "minute": 57}
